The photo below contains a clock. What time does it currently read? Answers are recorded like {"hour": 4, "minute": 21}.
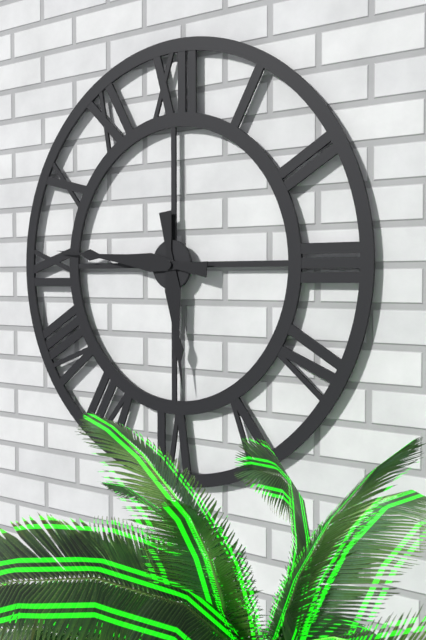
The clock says {"hour": 5, "minute": 46}
